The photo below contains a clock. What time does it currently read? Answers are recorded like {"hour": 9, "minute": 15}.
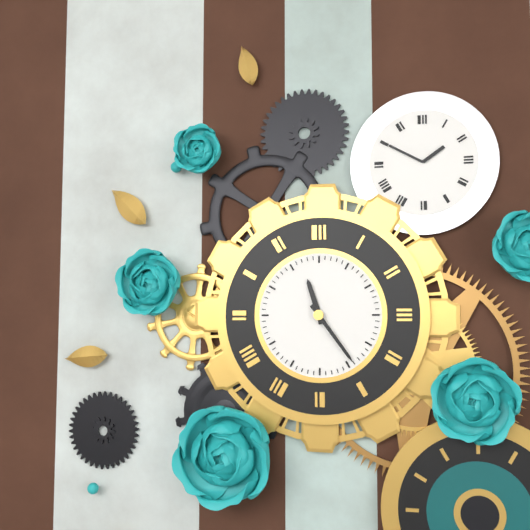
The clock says {"hour": 11, "minute": 24}
